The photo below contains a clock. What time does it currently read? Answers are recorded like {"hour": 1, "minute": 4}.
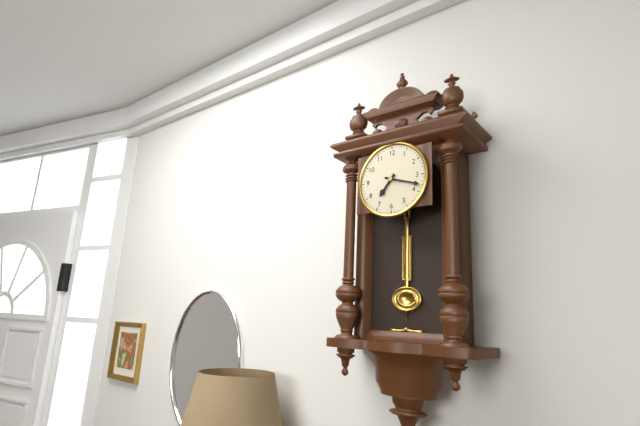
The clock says {"hour": 7, "minute": 18}
